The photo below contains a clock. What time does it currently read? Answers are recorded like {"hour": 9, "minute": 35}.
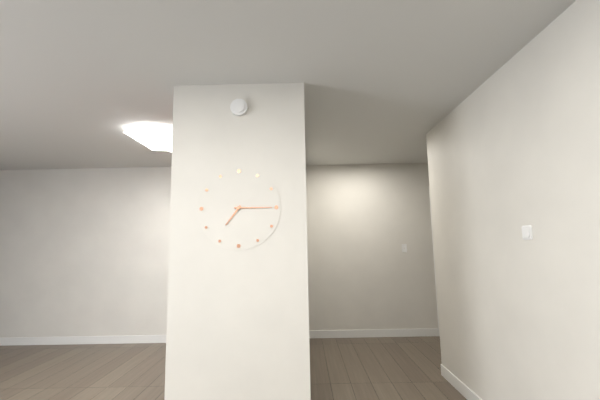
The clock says {"hour": 7, "minute": 15}
